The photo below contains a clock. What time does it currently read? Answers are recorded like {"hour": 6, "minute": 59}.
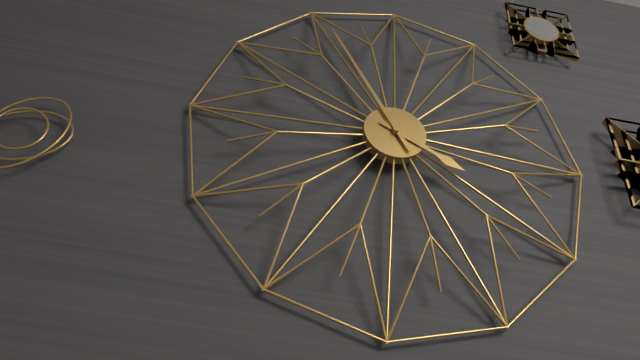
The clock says {"hour": 3, "minute": 55}
